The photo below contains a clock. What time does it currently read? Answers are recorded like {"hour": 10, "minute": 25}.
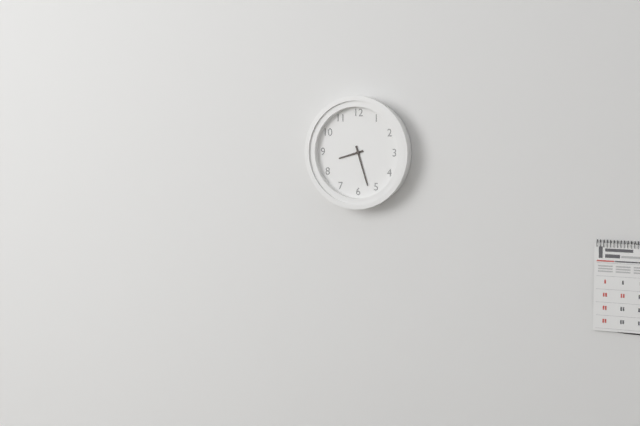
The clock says {"hour": 8, "minute": 27}
